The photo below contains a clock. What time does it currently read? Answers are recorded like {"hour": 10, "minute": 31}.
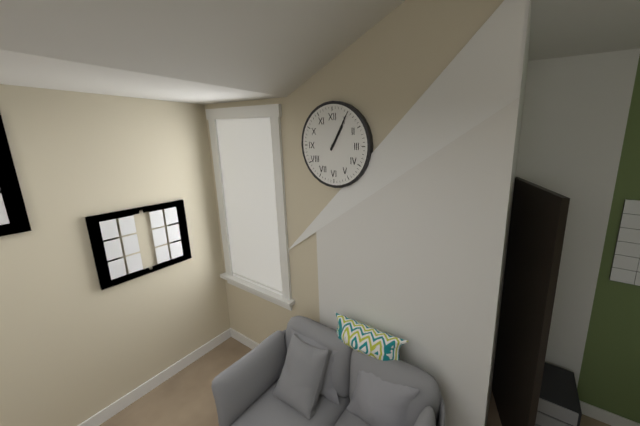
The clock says {"hour": 1, "minute": 5}
